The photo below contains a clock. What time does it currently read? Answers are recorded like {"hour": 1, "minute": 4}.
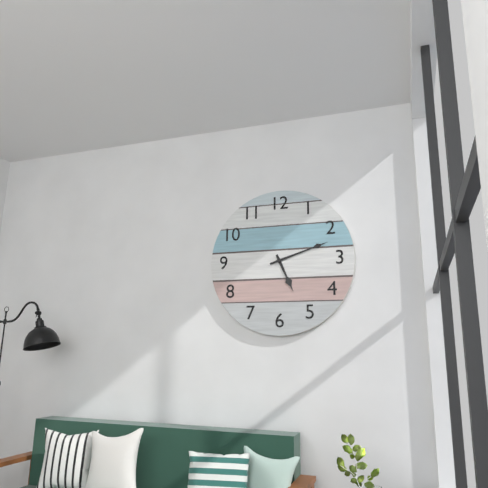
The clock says {"hour": 5, "minute": 12}
